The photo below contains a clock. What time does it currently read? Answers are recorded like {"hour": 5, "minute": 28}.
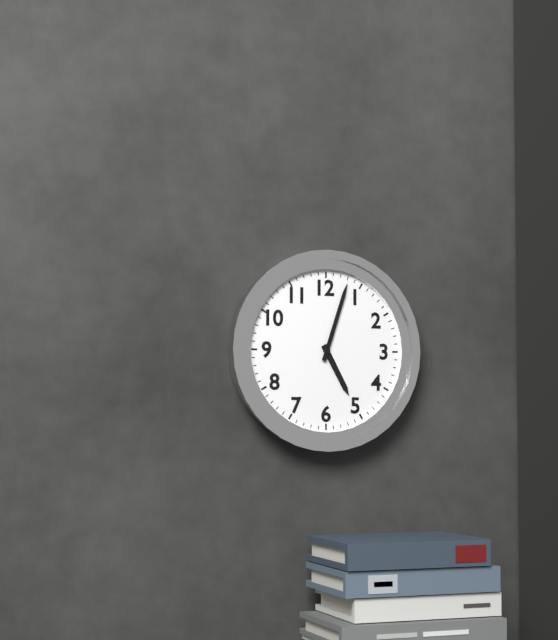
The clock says {"hour": 5, "minute": 3}
